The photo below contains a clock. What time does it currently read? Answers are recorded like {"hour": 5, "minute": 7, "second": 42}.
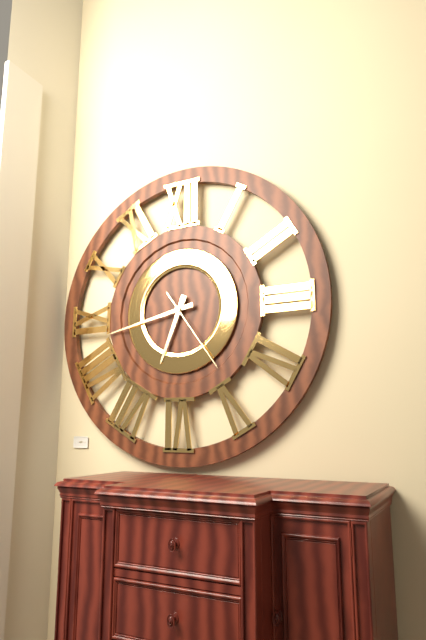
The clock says {"hour": 6, "minute": 43, "second": 24}
